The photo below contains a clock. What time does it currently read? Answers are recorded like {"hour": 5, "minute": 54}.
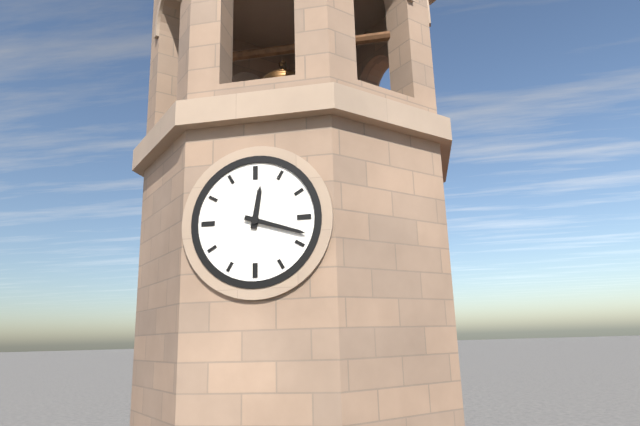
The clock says {"hour": 12, "minute": 18}
